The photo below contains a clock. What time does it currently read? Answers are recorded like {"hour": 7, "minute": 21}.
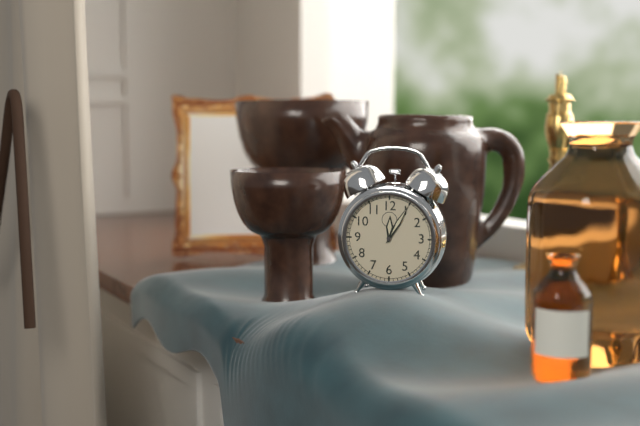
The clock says {"hour": 12, "minute": 5}
